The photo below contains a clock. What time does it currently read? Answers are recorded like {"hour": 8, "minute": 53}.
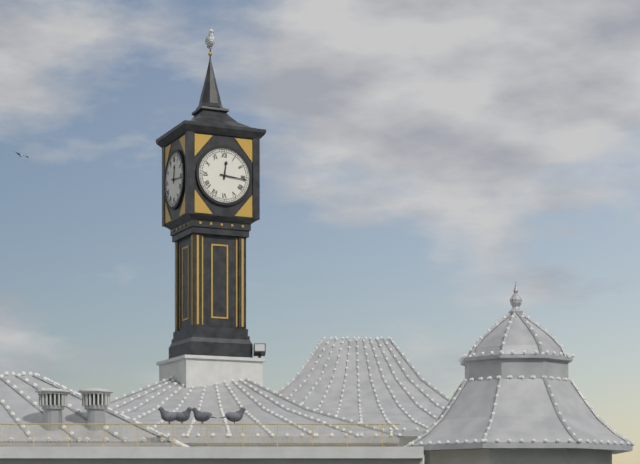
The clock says {"hour": 12, "minute": 16}
